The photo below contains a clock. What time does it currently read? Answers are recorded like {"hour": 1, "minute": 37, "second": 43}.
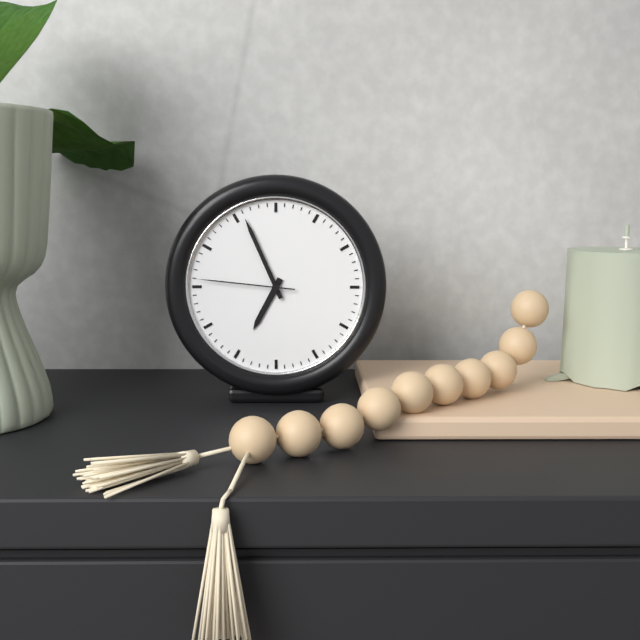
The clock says {"hour": 6, "minute": 56, "second": 46}
